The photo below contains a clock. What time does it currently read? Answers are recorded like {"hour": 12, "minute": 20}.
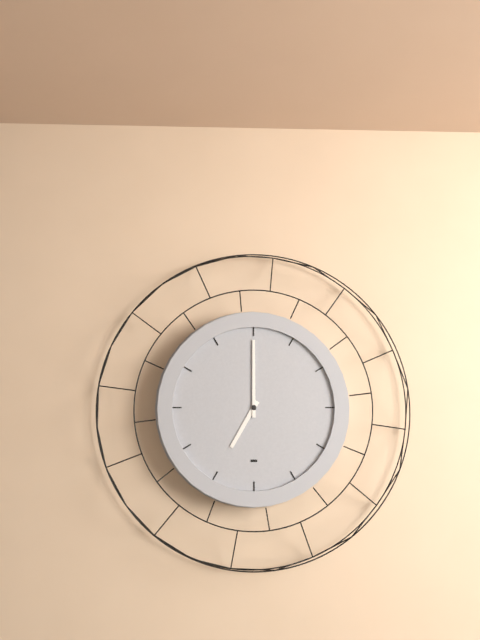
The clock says {"hour": 7, "minute": 0}
